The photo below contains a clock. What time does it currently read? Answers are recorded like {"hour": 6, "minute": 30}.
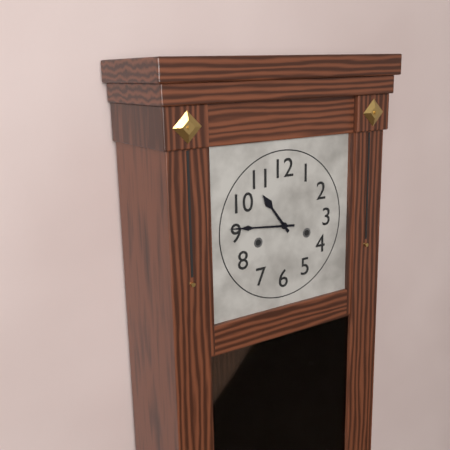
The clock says {"hour": 10, "minute": 46}
